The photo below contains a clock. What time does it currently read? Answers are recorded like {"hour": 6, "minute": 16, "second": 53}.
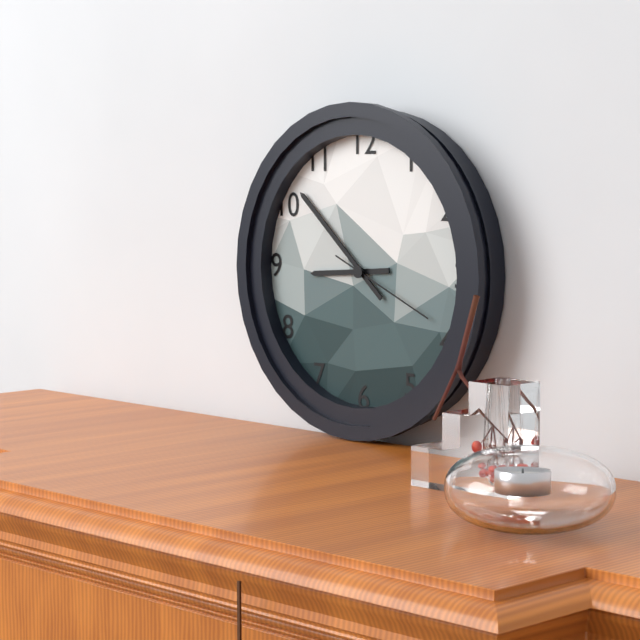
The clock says {"hour": 8, "minute": 52, "second": 19}
